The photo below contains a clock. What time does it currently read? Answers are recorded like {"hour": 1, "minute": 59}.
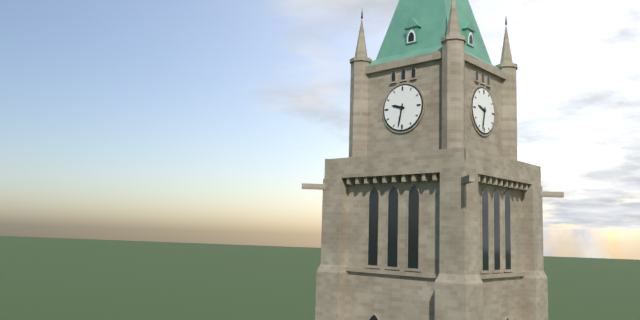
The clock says {"hour": 9, "minute": 32}
